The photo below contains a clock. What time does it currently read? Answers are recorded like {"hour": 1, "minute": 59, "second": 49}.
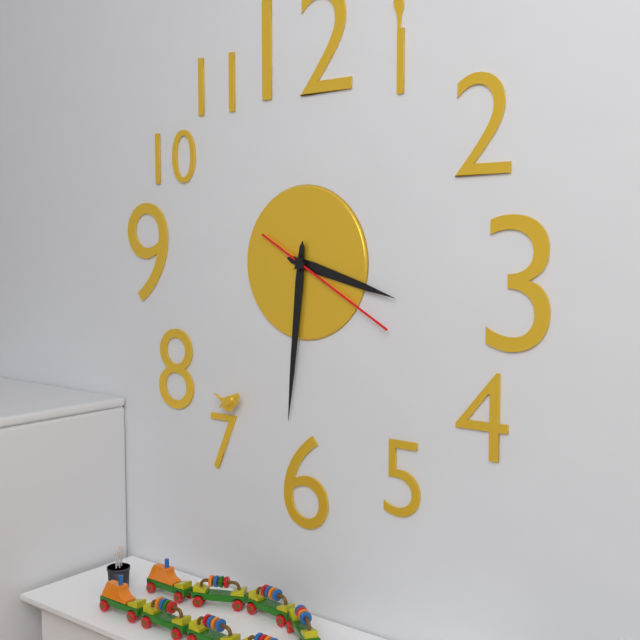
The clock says {"hour": 3, "minute": 31, "second": 20}
